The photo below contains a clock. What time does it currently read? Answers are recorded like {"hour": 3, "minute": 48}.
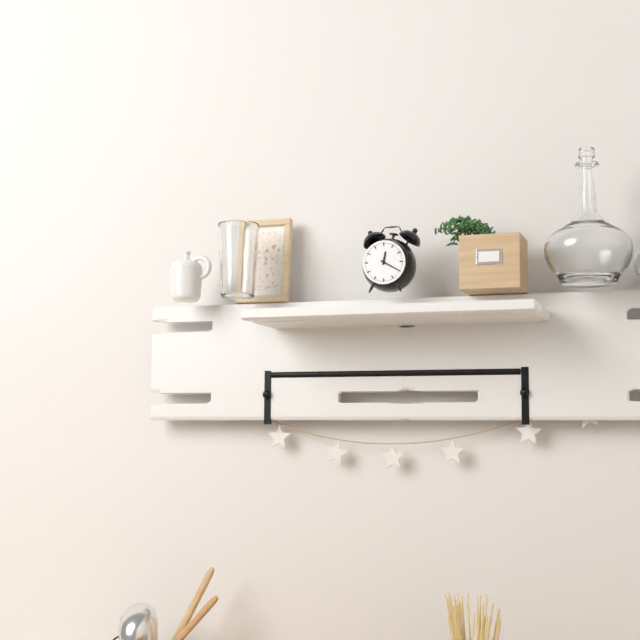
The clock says {"hour": 12, "minute": 20}
